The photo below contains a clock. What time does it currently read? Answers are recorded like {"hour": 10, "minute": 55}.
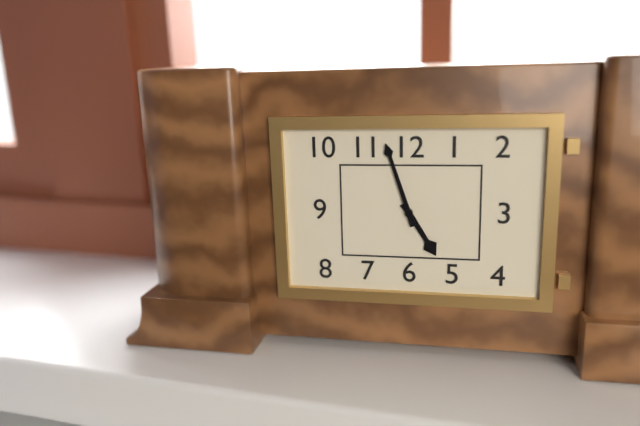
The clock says {"hour": 4, "minute": 57}
